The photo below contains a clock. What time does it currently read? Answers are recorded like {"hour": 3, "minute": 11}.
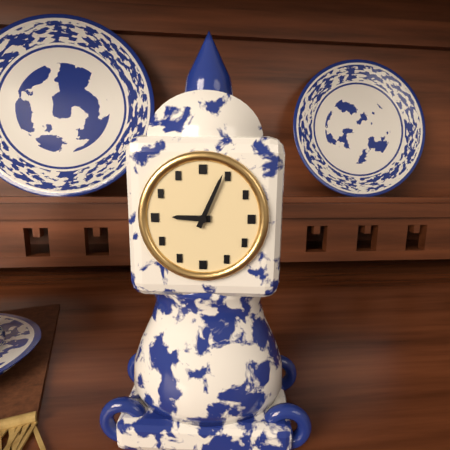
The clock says {"hour": 9, "minute": 4}
